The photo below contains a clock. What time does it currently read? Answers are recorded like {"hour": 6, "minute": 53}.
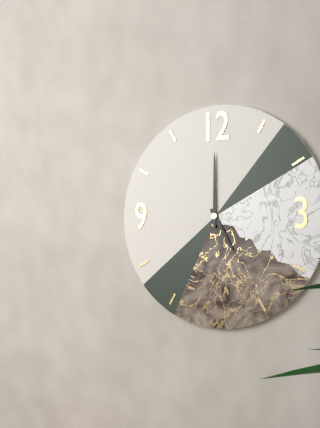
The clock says {"hour": 5, "minute": 0}
